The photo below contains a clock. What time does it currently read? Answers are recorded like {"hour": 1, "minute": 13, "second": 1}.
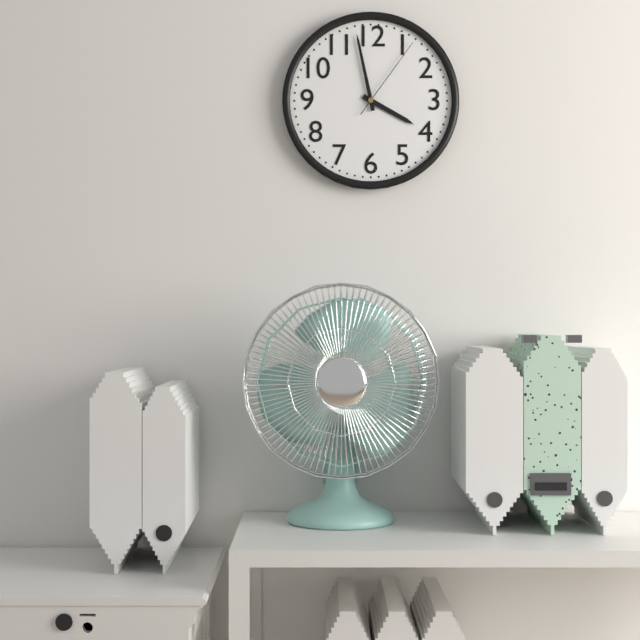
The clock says {"hour": 3, "minute": 58, "second": 6}
